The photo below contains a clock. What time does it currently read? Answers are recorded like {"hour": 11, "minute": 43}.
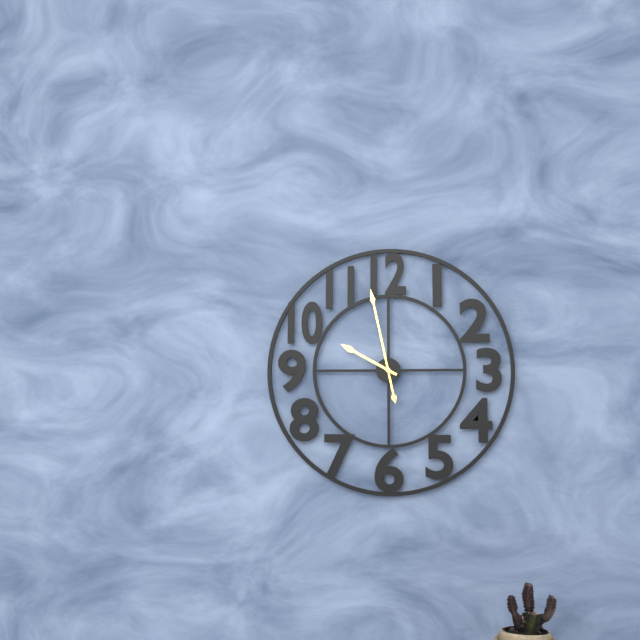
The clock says {"hour": 9, "minute": 58}
